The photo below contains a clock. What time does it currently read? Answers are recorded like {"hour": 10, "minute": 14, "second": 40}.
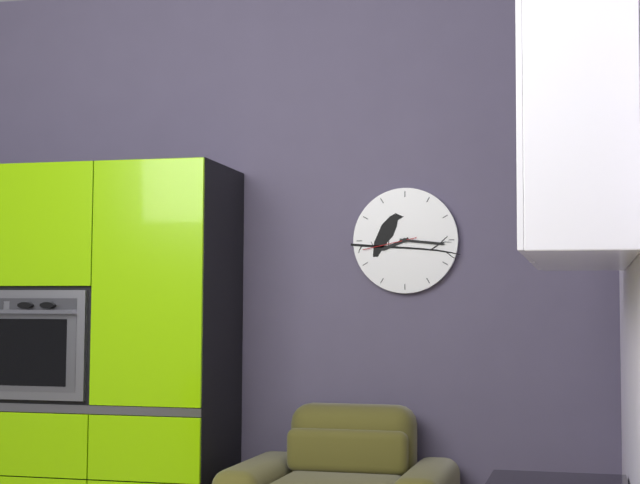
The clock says {"hour": 8, "minute": 16, "second": 43}
